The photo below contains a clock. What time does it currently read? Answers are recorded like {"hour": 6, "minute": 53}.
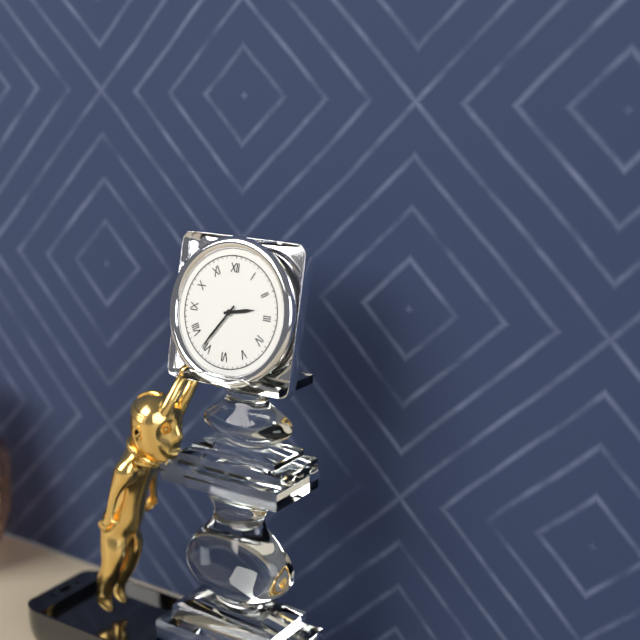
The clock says {"hour": 2, "minute": 36}
